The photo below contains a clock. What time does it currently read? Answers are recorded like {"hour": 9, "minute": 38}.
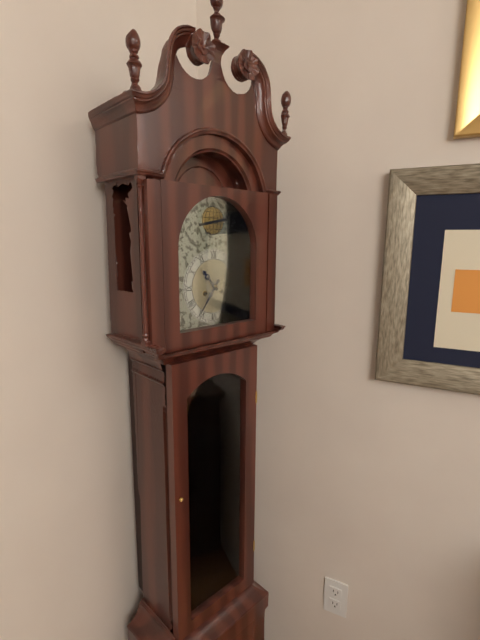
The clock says {"hour": 10, "minute": 36}
